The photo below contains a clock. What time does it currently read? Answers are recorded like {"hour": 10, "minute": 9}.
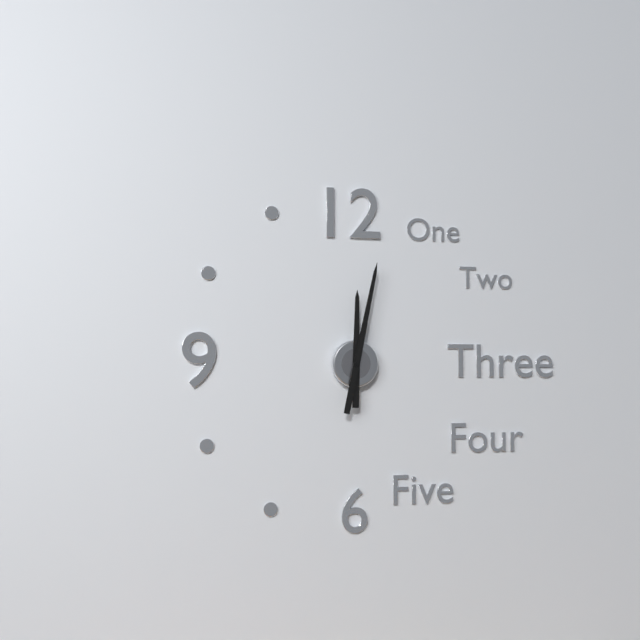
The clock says {"hour": 12, "minute": 2}
